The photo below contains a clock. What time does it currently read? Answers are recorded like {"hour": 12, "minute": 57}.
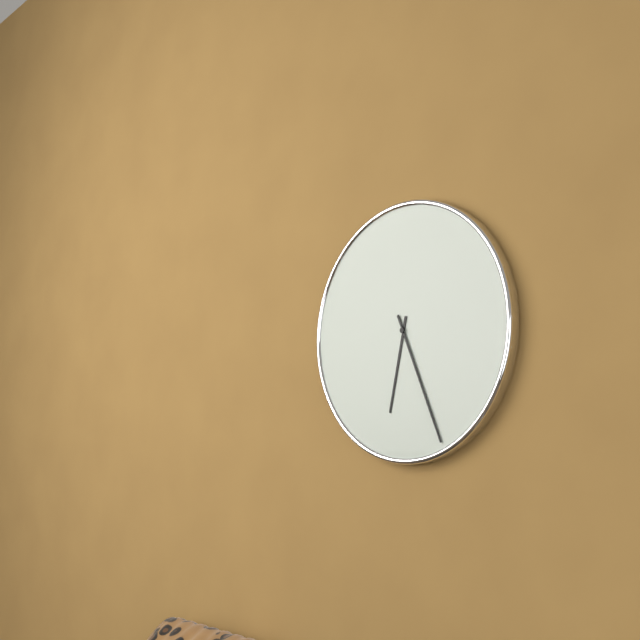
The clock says {"hour": 6, "minute": 26}
